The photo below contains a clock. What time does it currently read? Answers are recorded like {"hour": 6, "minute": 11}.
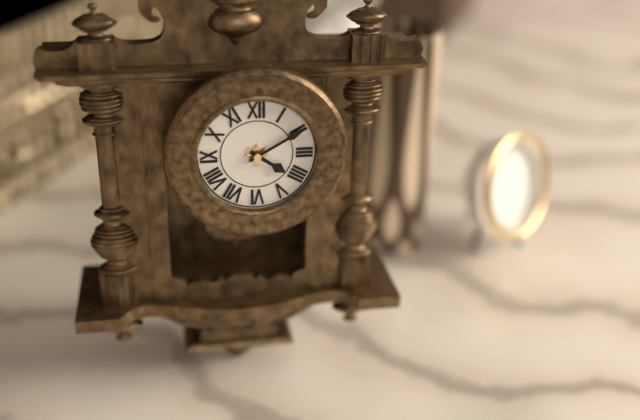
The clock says {"hour": 4, "minute": 10}
